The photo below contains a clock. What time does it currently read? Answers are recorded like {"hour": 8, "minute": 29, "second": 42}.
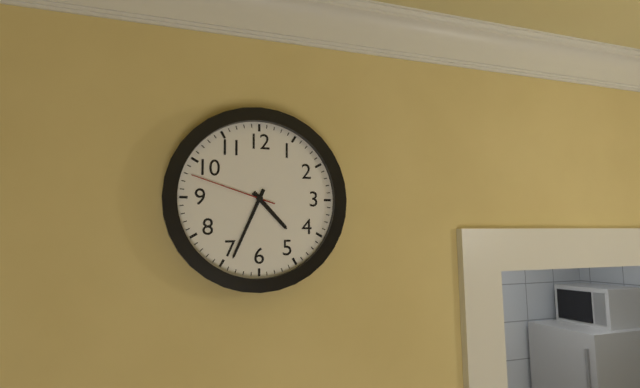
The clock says {"hour": 4, "minute": 34, "second": 48}
